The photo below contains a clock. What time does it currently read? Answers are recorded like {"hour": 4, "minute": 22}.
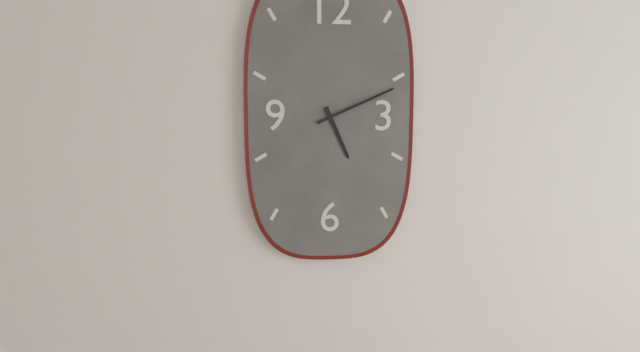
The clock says {"hour": 5, "minute": 11}
